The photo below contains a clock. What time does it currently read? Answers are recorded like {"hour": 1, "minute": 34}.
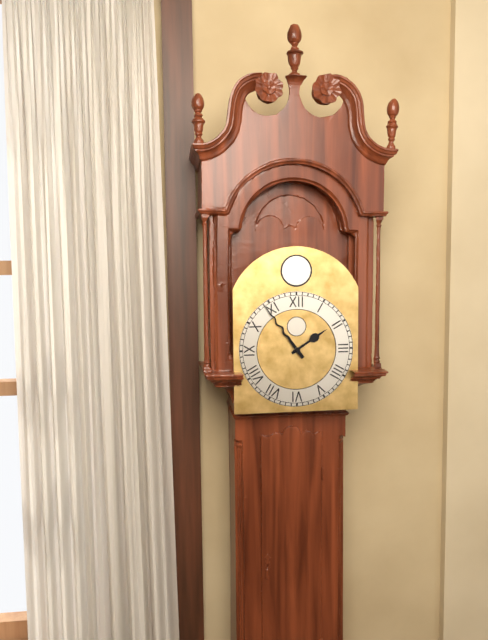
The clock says {"hour": 1, "minute": 54}
